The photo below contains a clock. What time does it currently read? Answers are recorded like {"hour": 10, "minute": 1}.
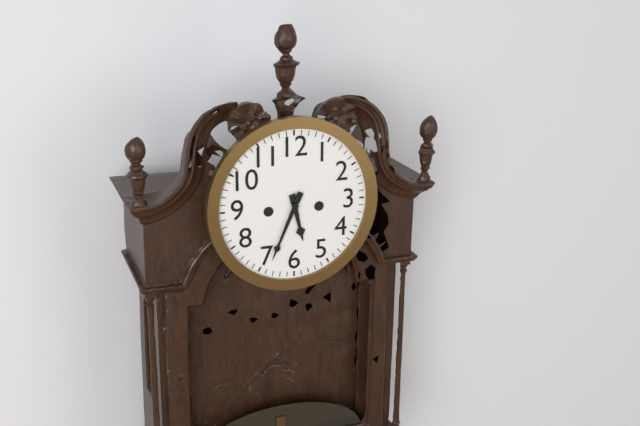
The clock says {"hour": 5, "minute": 34}
